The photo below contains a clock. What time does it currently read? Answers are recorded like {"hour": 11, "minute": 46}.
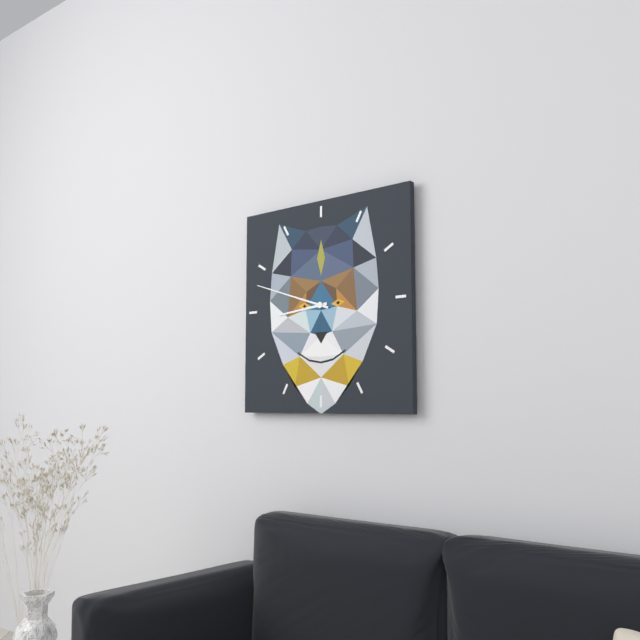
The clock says {"hour": 8, "minute": 48}
